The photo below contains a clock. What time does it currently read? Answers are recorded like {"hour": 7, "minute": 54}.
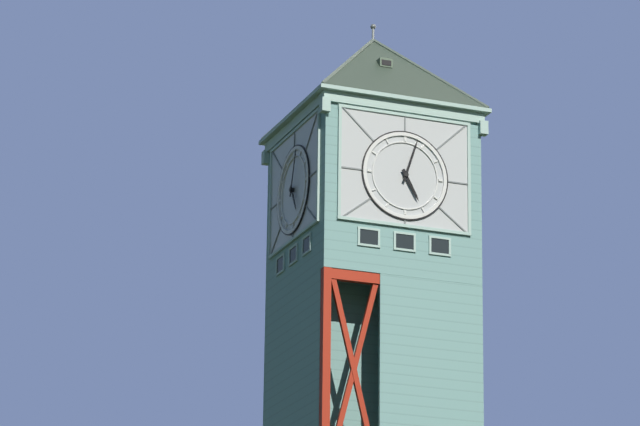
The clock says {"hour": 5, "minute": 3}
